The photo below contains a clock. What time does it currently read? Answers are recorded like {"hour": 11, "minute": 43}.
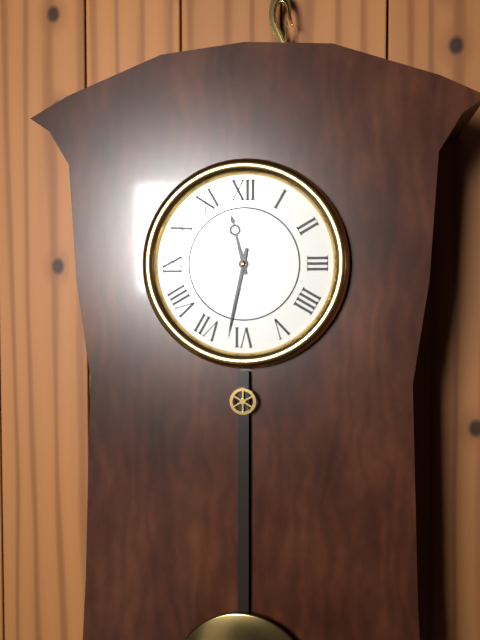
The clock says {"hour": 11, "minute": 32}
